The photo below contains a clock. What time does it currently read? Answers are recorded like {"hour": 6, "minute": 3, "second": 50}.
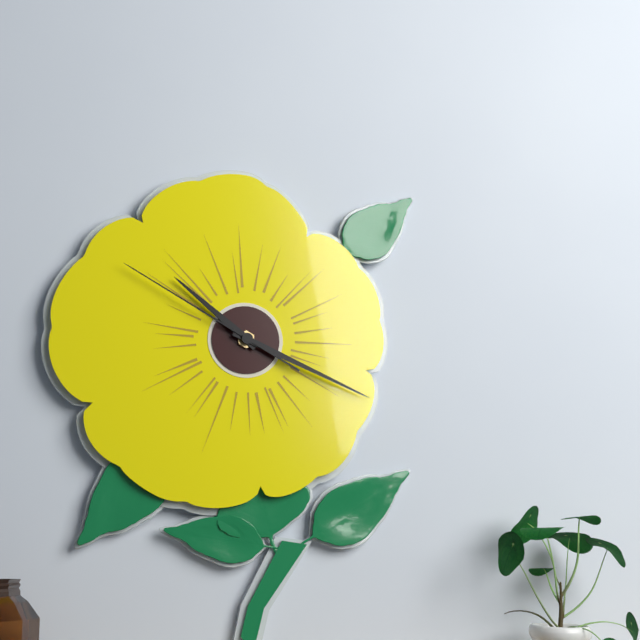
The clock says {"hour": 10, "minute": 19, "second": 50}
